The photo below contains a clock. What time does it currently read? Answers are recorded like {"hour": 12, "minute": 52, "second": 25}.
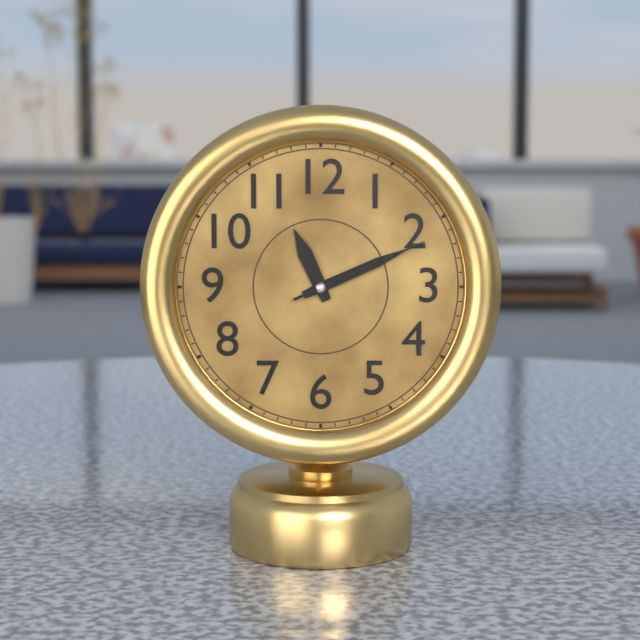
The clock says {"hour": 11, "minute": 11, "second": 11}
